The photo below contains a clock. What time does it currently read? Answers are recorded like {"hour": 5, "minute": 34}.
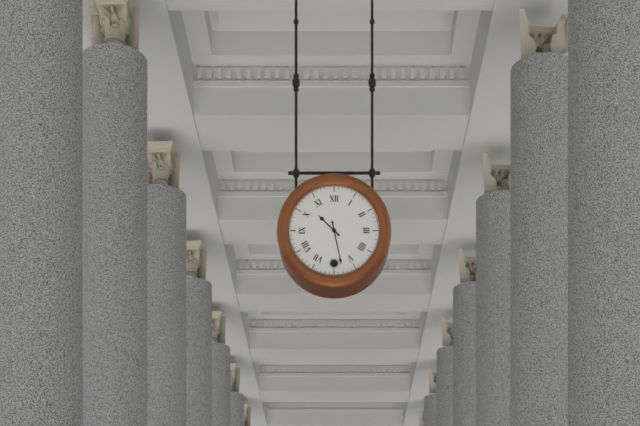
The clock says {"hour": 10, "minute": 28}
